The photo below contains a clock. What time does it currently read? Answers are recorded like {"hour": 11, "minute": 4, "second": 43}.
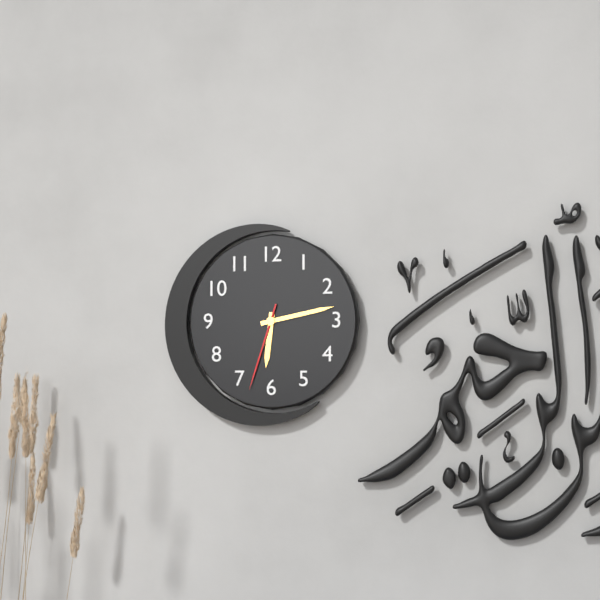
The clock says {"hour": 6, "minute": 13, "second": 33}
